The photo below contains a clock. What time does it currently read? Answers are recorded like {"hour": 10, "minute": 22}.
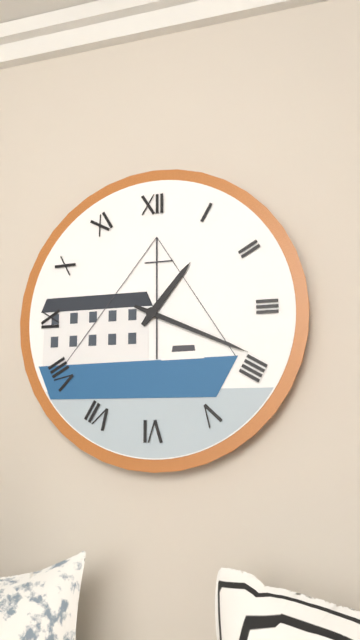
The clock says {"hour": 1, "minute": 19}
